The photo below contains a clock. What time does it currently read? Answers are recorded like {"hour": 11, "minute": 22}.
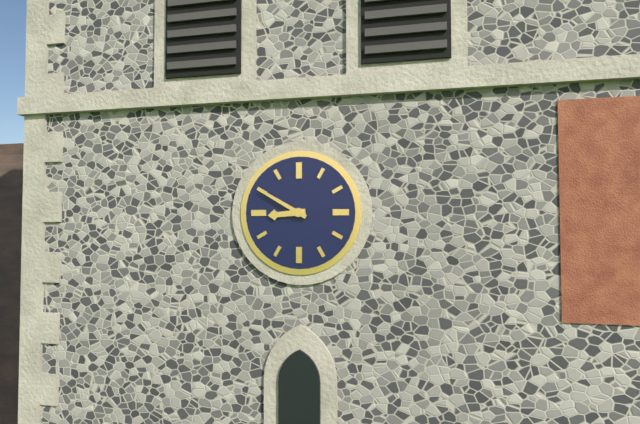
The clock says {"hour": 8, "minute": 50}
